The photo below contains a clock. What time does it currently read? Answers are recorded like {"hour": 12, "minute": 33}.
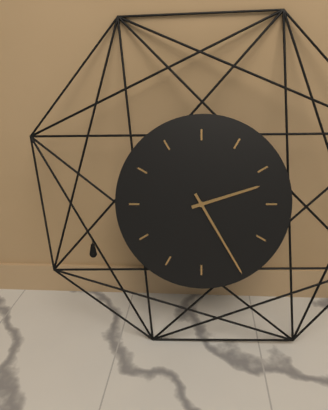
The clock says {"hour": 2, "minute": 25}
